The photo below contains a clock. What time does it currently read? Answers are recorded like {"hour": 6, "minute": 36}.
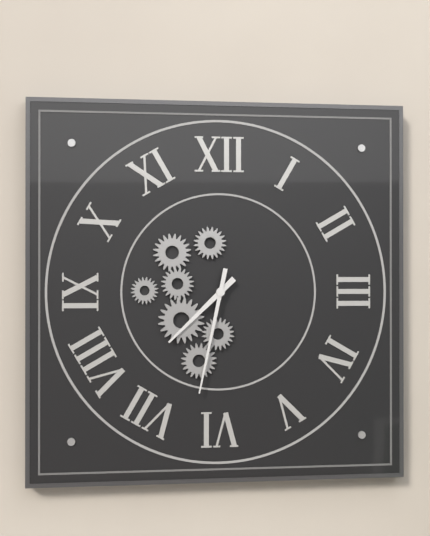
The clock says {"hour": 7, "minute": 32}
